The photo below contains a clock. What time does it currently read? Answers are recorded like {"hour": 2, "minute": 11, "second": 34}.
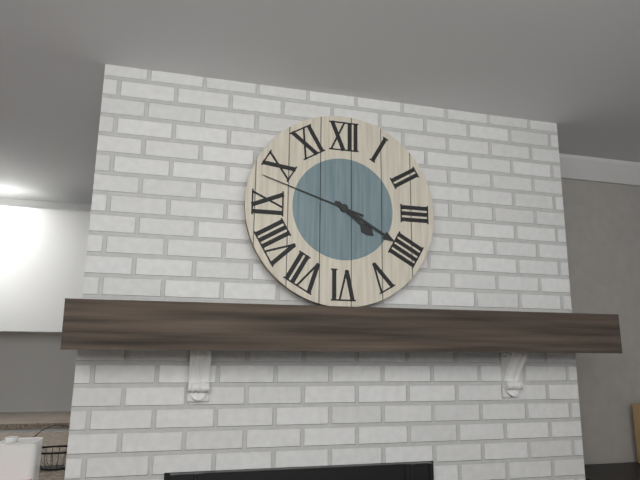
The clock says {"hour": 4, "minute": 20, "second": 48}
